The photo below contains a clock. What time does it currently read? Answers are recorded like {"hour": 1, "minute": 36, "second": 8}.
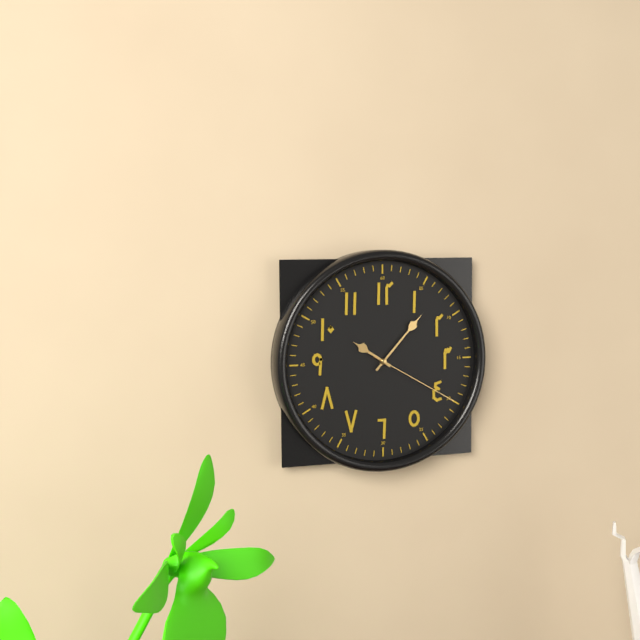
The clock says {"hour": 10, "minute": 7, "second": 20}
